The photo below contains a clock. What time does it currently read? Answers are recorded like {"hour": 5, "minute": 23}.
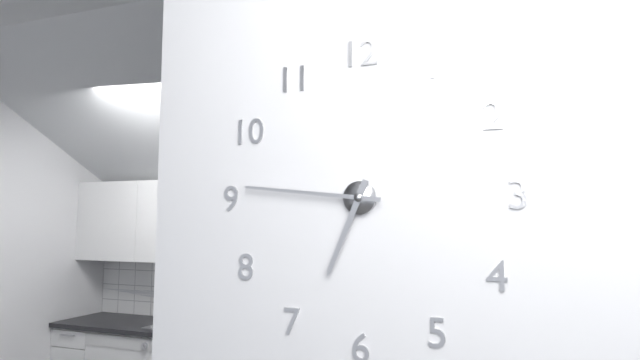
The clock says {"hour": 6, "minute": 46}
